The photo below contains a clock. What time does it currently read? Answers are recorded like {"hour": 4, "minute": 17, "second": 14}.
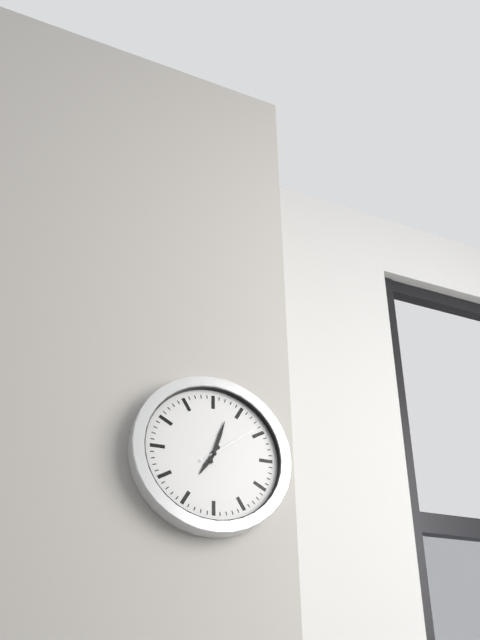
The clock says {"hour": 7, "minute": 3, "second": 9}
